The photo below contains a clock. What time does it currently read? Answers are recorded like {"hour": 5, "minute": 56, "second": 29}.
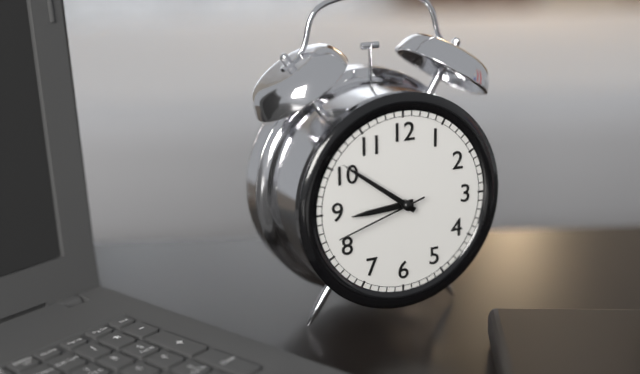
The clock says {"hour": 8, "minute": 51, "second": 42}
